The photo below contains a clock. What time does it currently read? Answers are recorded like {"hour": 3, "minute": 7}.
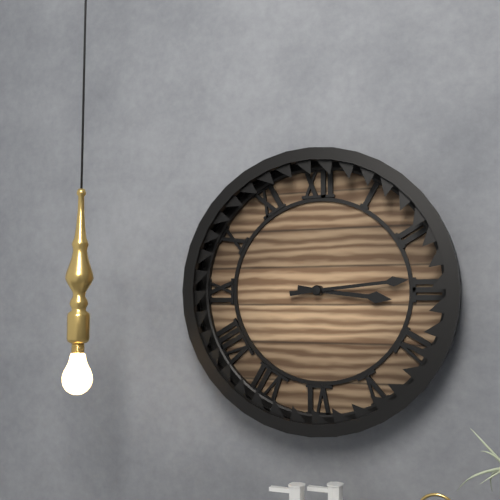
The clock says {"hour": 3, "minute": 14}
